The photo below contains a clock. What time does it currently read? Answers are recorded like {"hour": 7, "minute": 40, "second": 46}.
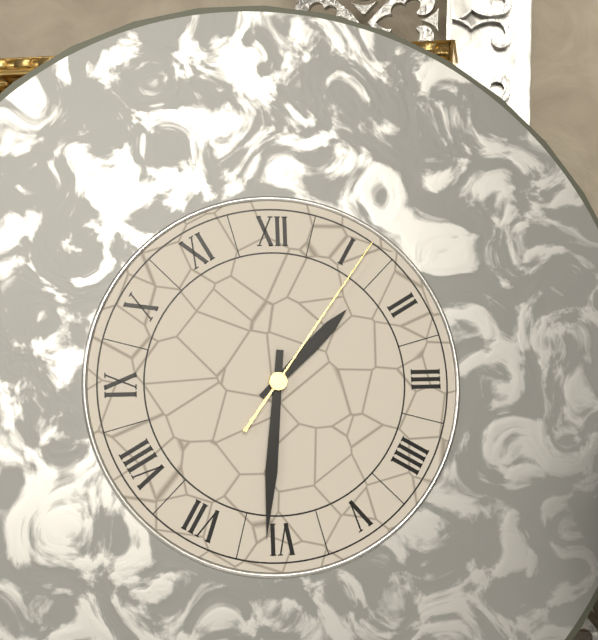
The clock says {"hour": 1, "minute": 31, "second": 6}
